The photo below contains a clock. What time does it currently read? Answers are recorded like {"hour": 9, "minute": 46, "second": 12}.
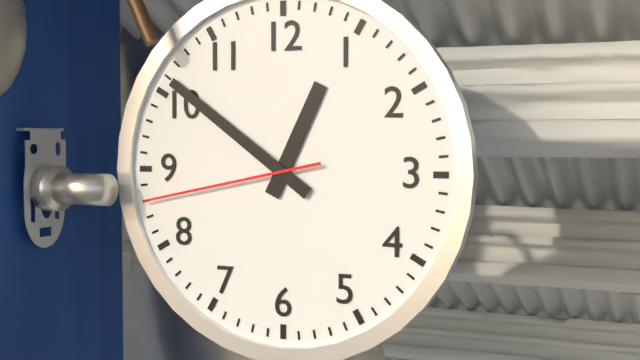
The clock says {"hour": 12, "minute": 51, "second": 43}
